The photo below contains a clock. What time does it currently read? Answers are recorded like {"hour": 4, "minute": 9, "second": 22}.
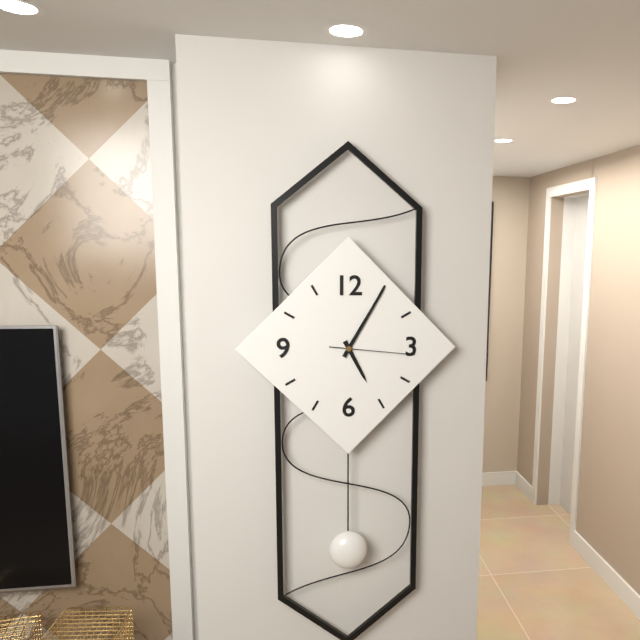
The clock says {"hour": 5, "minute": 5, "second": 16}
